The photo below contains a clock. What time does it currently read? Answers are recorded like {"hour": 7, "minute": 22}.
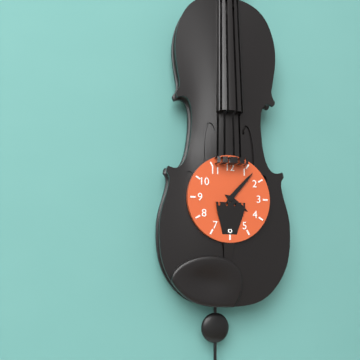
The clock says {"hour": 4, "minute": 7}
